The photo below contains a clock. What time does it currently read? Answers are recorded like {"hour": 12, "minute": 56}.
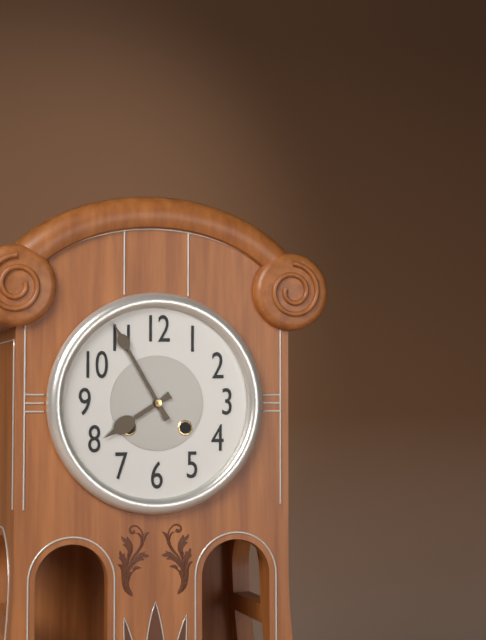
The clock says {"hour": 7, "minute": 55}
